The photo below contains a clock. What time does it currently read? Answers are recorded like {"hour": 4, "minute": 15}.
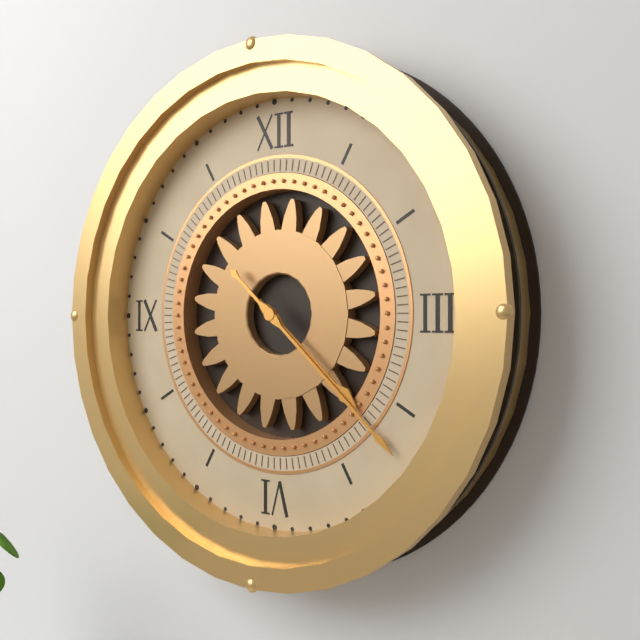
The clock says {"hour": 4, "minute": 22}
